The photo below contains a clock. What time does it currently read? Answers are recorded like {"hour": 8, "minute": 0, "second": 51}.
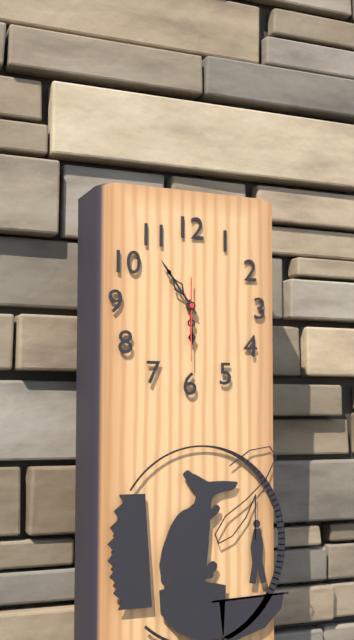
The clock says {"hour": 5, "minute": 54, "second": 30}
